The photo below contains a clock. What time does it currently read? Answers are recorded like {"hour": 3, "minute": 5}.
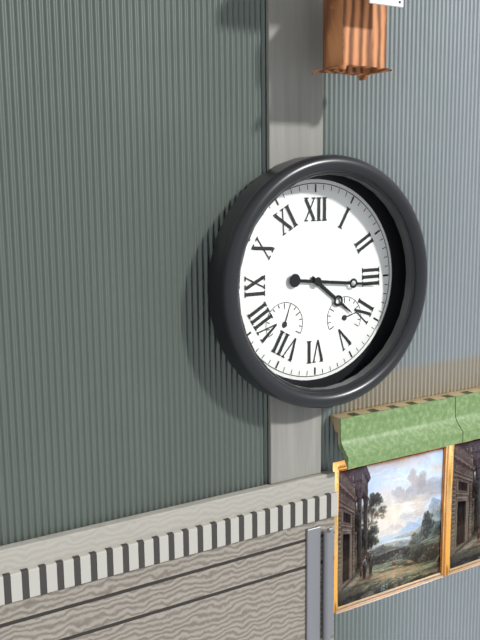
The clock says {"hour": 4, "minute": 16}
